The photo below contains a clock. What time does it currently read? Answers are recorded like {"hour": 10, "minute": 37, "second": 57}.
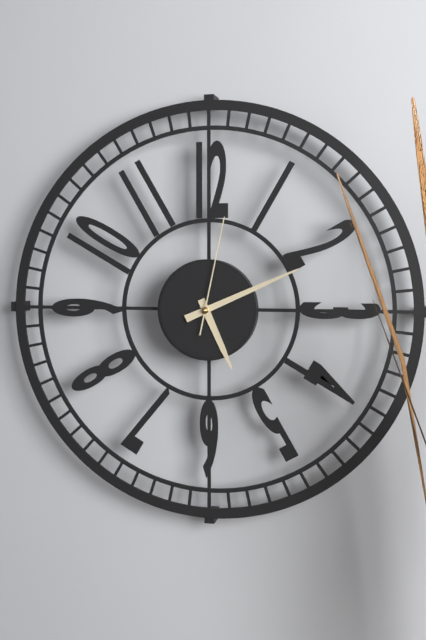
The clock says {"hour": 5, "minute": 11, "second": 2}
